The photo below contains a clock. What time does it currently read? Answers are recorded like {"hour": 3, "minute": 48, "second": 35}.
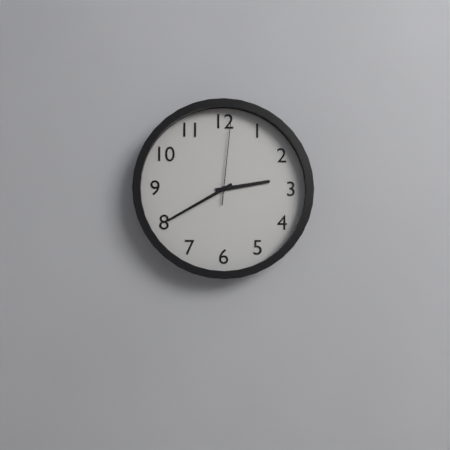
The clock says {"hour": 2, "minute": 40, "second": 1}
